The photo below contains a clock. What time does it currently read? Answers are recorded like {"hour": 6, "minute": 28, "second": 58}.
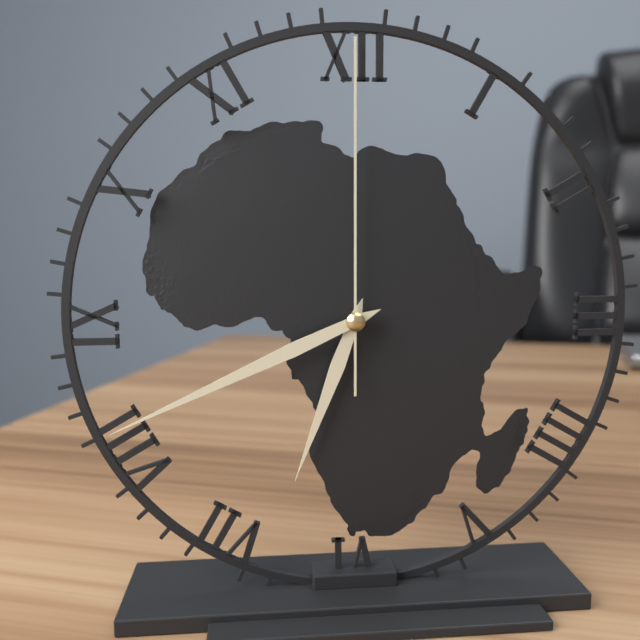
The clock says {"hour": 6, "minute": 41, "second": 0}
